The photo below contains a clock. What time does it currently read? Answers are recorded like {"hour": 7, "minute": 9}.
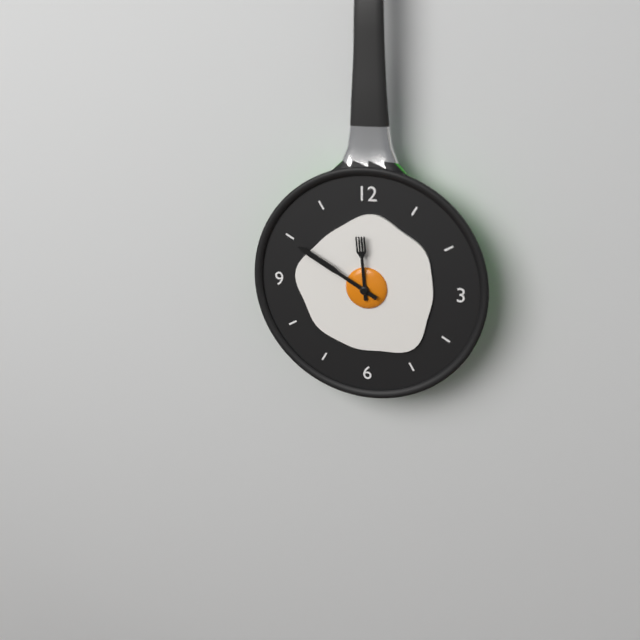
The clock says {"hour": 11, "minute": 50}
